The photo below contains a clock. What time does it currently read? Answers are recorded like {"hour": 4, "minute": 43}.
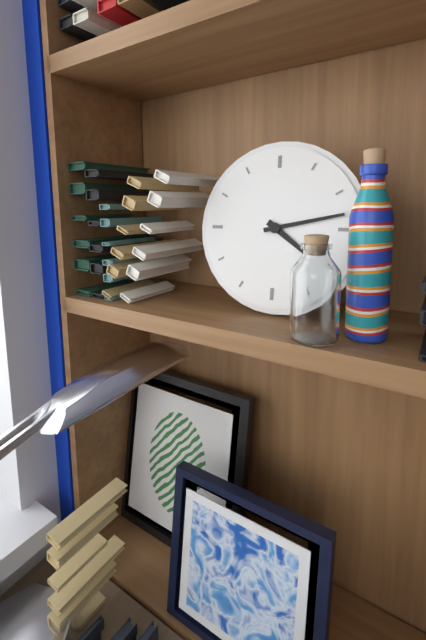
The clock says {"hour": 4, "minute": 13}
